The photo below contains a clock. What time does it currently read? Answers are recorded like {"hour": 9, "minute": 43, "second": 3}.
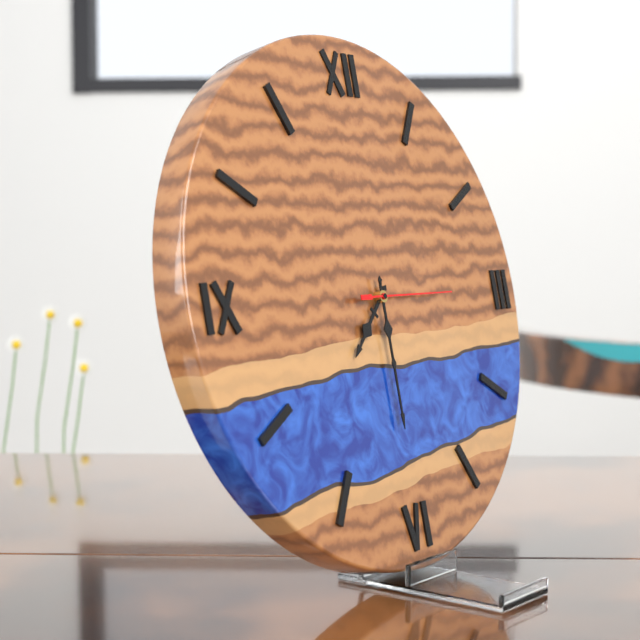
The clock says {"hour": 7, "minute": 30, "second": 15}
